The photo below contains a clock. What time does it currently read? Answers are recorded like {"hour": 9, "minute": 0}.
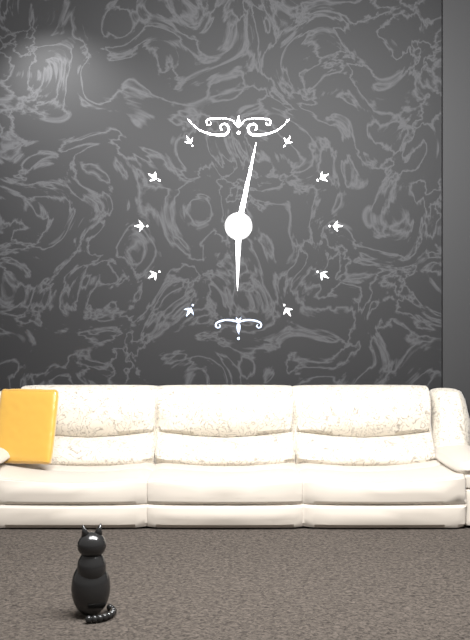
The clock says {"hour": 6, "minute": 2}
